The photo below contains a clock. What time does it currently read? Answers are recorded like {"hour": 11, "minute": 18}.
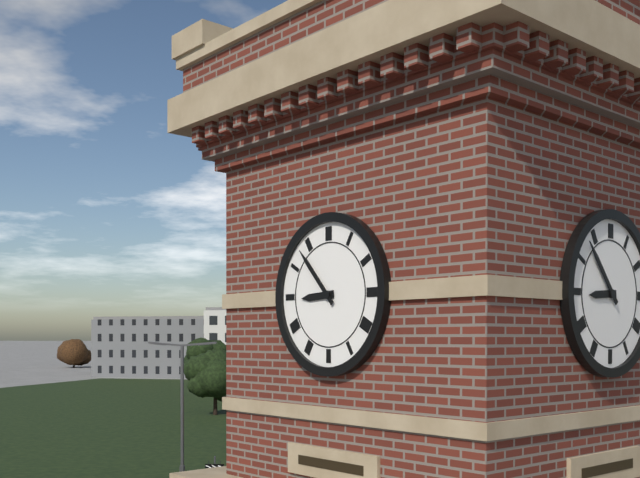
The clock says {"hour": 8, "minute": 53}
